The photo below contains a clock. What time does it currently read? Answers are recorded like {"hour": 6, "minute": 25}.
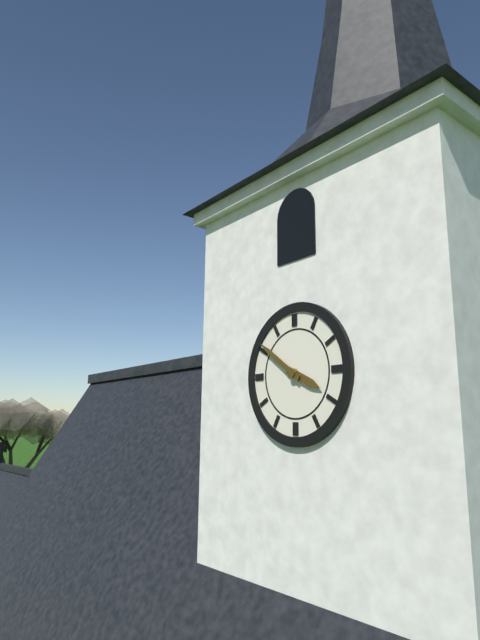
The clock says {"hour": 3, "minute": 51}
